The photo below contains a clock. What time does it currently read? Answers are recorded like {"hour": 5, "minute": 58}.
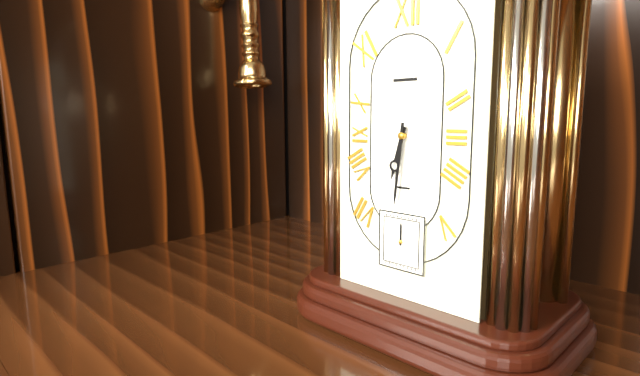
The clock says {"hour": 6, "minute": 31}
